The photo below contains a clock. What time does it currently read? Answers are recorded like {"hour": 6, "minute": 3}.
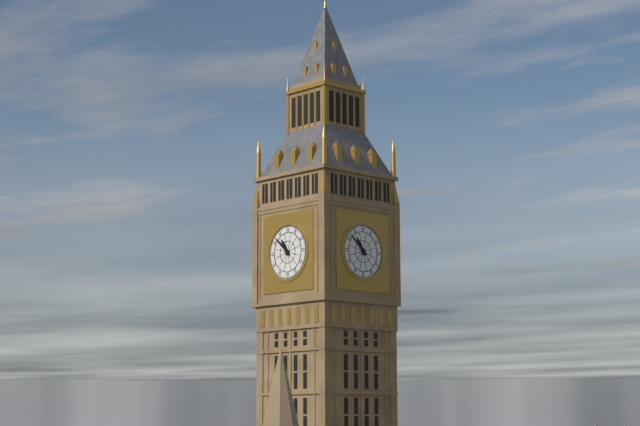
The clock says {"hour": 10, "minute": 52}
